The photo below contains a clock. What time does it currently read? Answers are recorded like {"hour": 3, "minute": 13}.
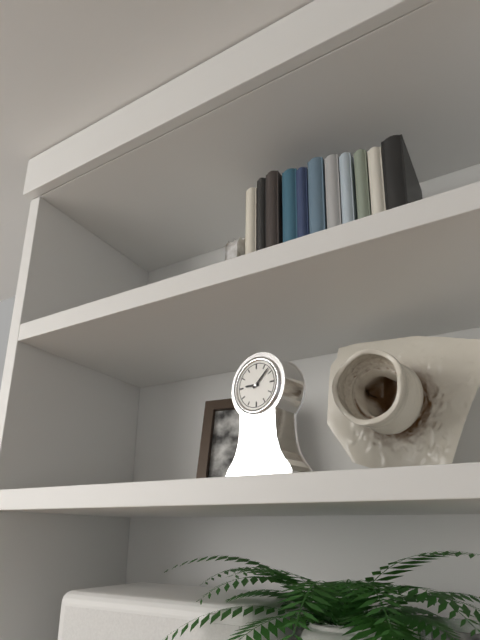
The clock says {"hour": 9, "minute": 8}
